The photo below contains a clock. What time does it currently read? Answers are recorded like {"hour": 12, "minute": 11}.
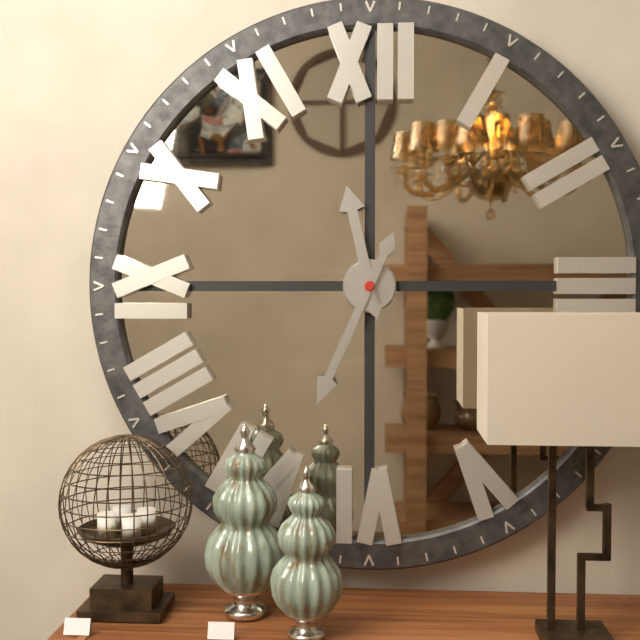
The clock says {"hour": 11, "minute": 34}
